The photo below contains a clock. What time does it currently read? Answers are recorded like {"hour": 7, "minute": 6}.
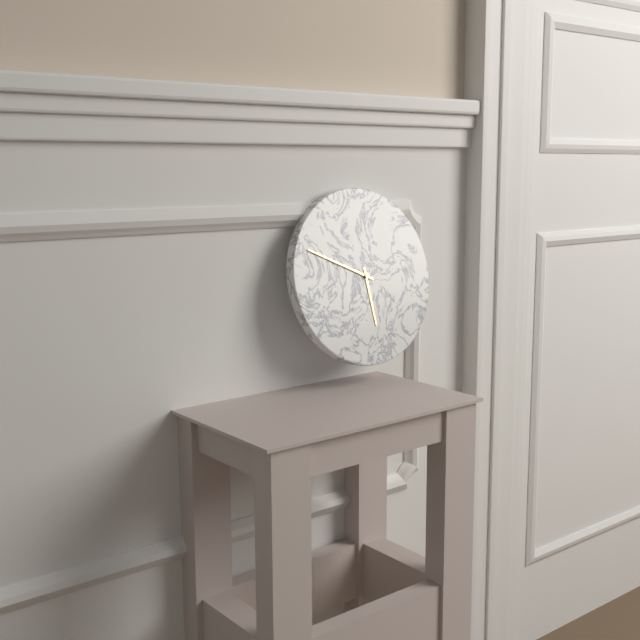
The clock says {"hour": 5, "minute": 49}
